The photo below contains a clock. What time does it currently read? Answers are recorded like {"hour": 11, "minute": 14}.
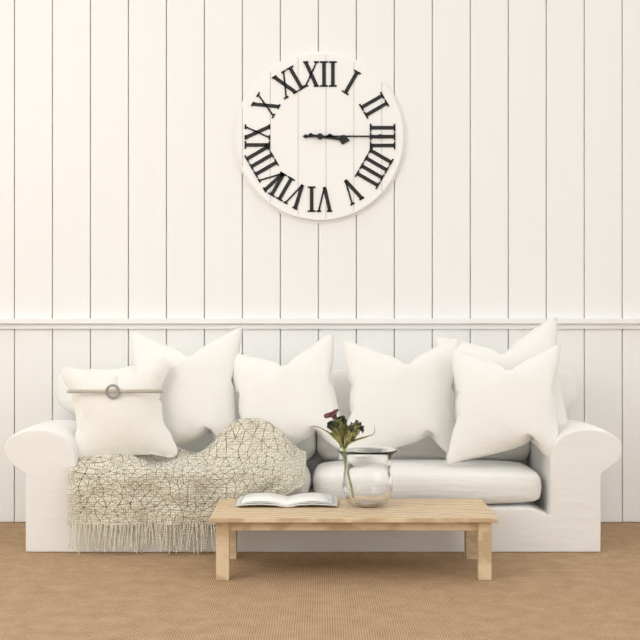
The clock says {"hour": 3, "minute": 15}
